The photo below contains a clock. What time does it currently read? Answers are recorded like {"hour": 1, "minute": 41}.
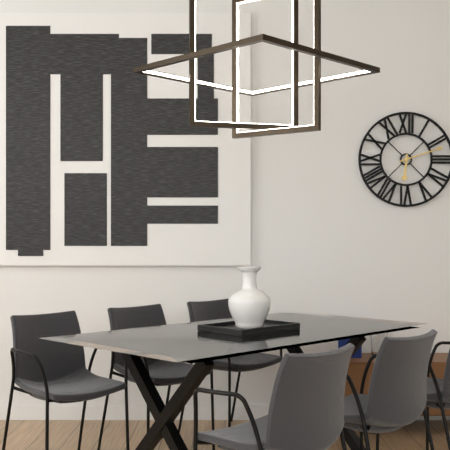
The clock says {"hour": 6, "minute": 12}
